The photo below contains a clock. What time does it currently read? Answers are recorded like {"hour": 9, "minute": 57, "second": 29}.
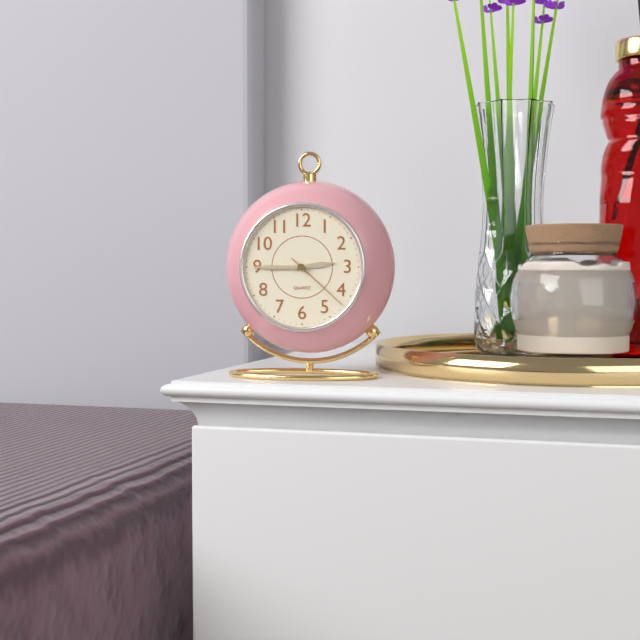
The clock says {"hour": 2, "minute": 45, "second": 22}
